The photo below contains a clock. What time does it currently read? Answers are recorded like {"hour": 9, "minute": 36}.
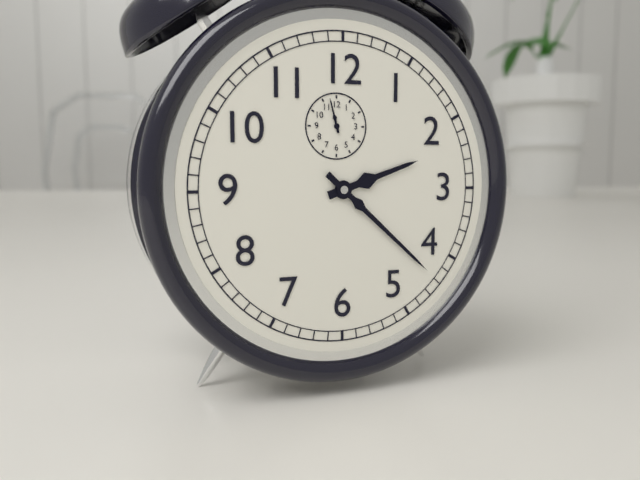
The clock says {"hour": 2, "minute": 22}
